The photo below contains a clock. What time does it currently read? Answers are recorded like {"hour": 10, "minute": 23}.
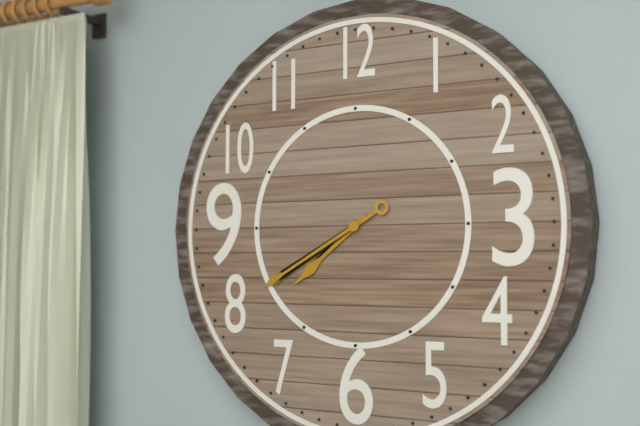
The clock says {"hour": 7, "minute": 40}
